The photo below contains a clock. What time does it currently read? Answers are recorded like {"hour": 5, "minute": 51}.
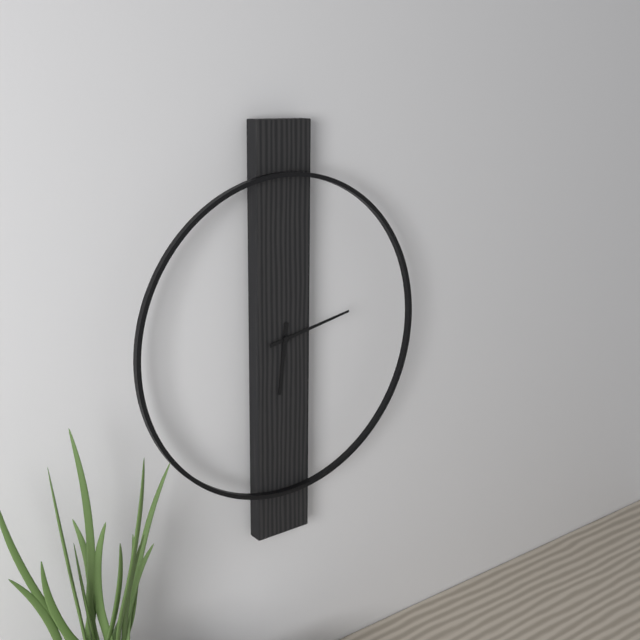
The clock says {"hour": 6, "minute": 13}
